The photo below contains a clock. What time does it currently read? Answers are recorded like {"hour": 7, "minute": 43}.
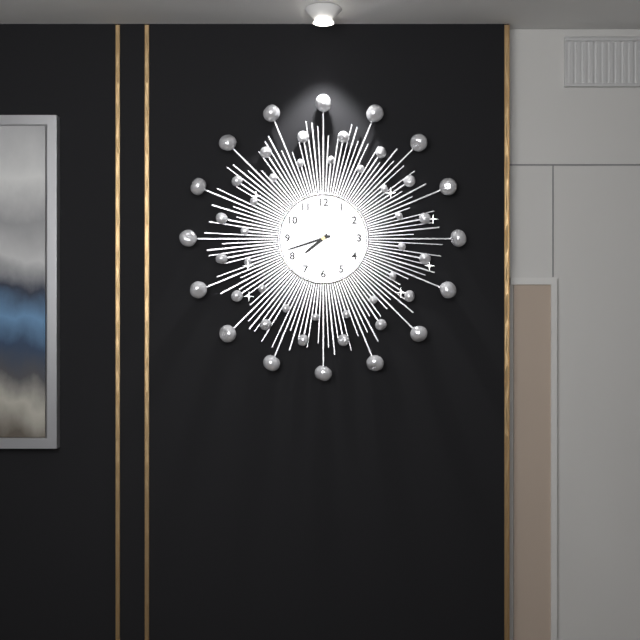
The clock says {"hour": 7, "minute": 42}
